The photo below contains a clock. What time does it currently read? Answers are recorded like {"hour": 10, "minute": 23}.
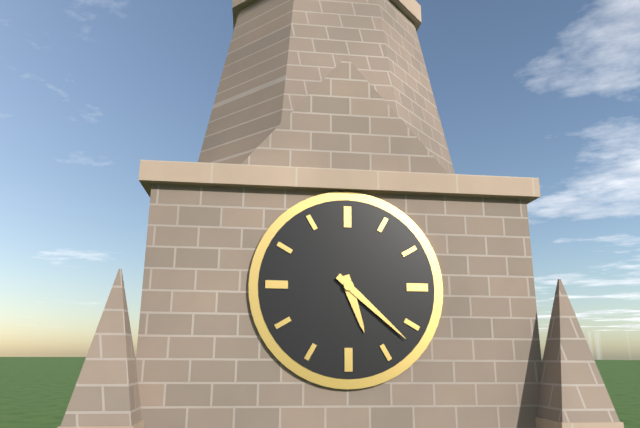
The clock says {"hour": 5, "minute": 22}
